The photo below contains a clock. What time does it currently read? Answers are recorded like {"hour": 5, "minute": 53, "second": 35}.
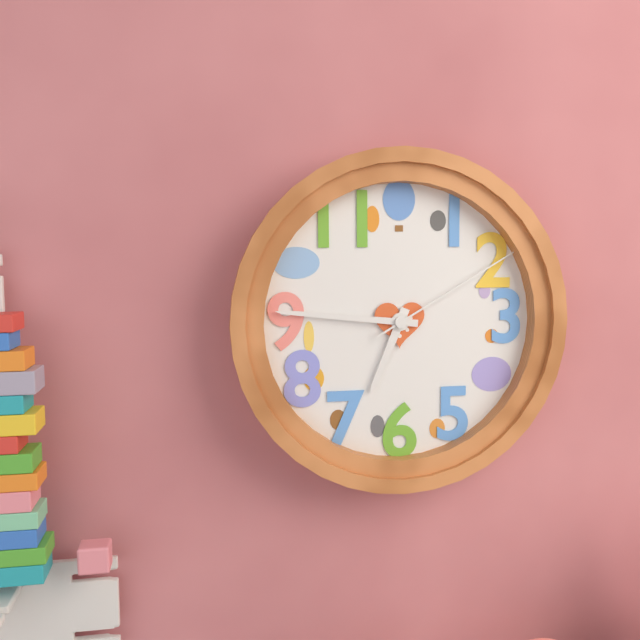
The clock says {"hour": 6, "minute": 46, "second": 10}
